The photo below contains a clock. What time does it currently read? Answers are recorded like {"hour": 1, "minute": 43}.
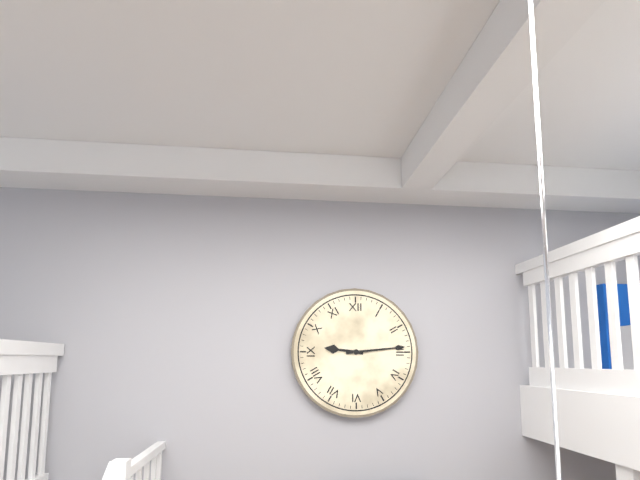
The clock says {"hour": 9, "minute": 14}
